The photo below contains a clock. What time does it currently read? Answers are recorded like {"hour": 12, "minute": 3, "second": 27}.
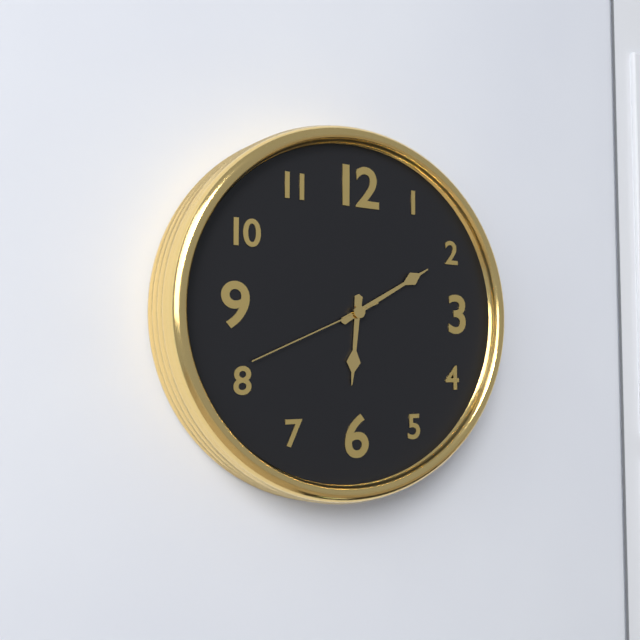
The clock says {"hour": 6, "minute": 10, "second": 41}
